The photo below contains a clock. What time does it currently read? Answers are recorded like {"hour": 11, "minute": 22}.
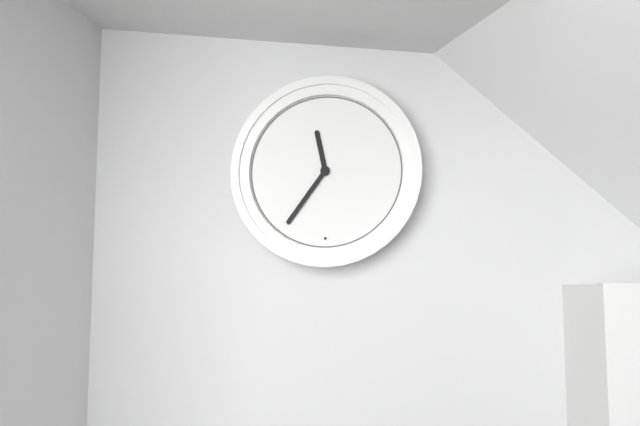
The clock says {"hour": 11, "minute": 36}
